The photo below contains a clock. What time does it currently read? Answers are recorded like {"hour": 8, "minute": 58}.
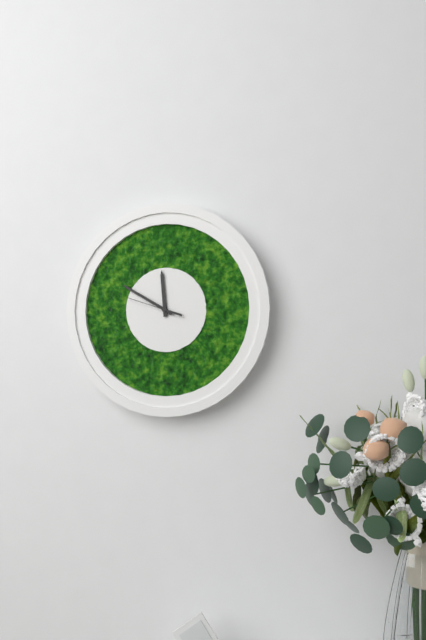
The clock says {"hour": 11, "minute": 50}
